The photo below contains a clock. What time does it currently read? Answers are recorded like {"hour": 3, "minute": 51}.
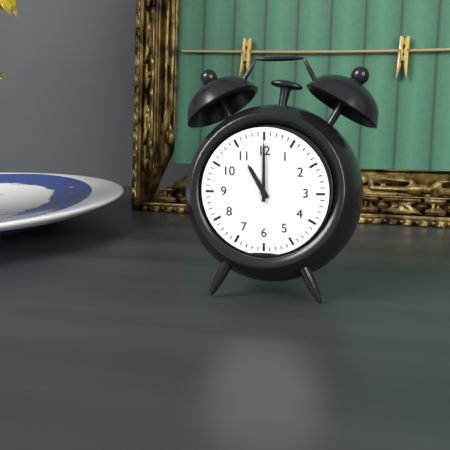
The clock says {"hour": 11, "minute": 0}
